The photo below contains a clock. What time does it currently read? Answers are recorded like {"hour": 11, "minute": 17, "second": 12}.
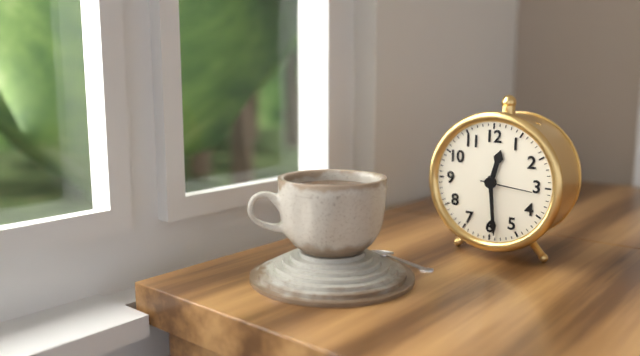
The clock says {"hour": 12, "minute": 29, "second": 16}
